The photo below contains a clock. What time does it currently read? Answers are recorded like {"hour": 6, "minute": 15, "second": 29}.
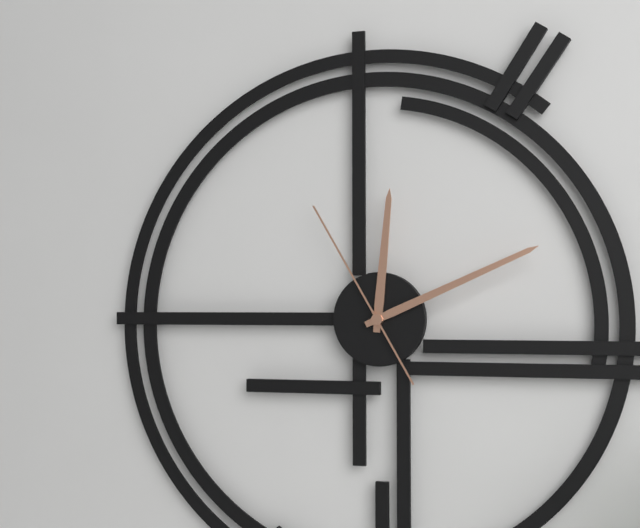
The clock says {"hour": 12, "minute": 11, "second": 55}
